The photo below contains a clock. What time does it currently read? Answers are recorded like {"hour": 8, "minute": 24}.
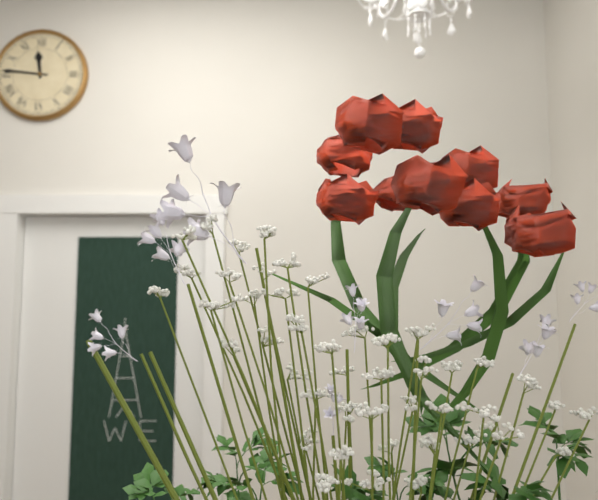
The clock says {"hour": 11, "minute": 46}
